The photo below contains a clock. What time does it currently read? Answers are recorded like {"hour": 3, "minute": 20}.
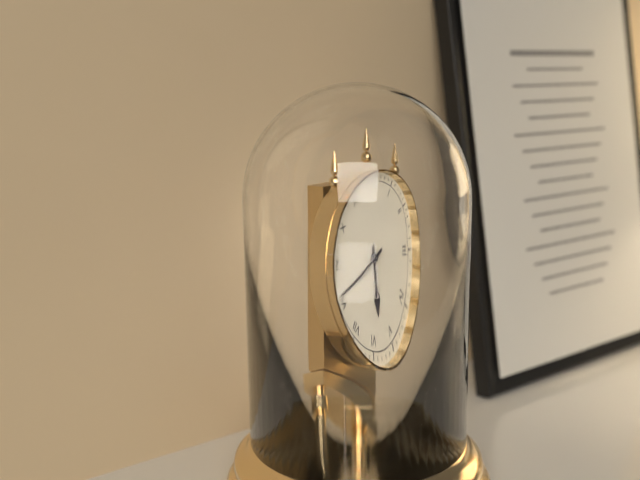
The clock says {"hour": 5, "minute": 41}
